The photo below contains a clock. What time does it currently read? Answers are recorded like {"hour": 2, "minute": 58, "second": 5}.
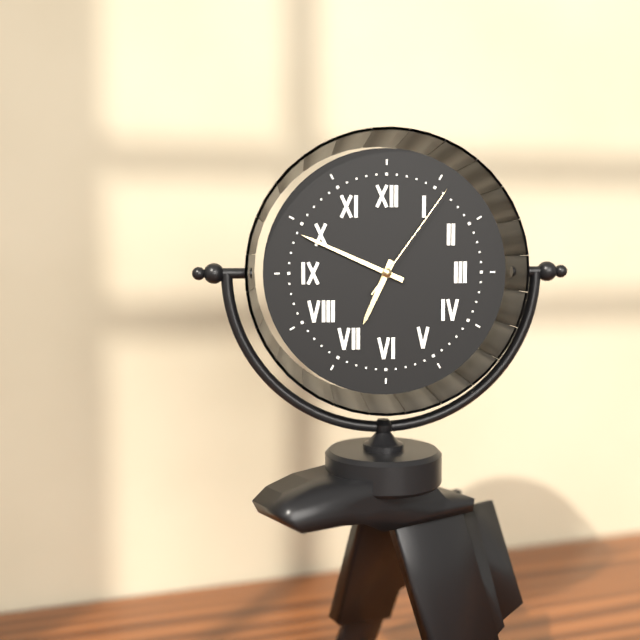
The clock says {"hour": 6, "minute": 49, "second": 6}
